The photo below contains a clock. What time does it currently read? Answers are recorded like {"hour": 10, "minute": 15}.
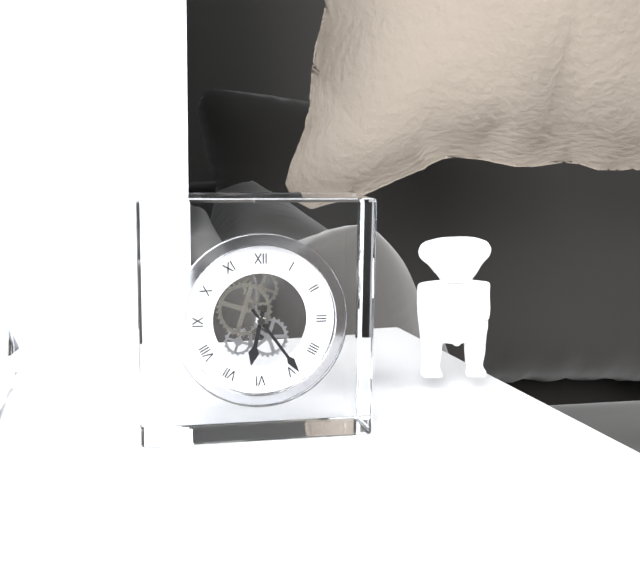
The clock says {"hour": 6, "minute": 24}
